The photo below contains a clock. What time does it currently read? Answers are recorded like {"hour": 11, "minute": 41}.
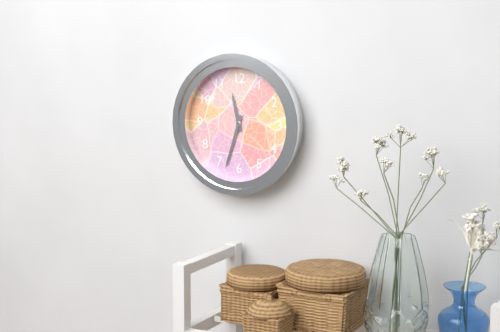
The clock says {"hour": 11, "minute": 33}
